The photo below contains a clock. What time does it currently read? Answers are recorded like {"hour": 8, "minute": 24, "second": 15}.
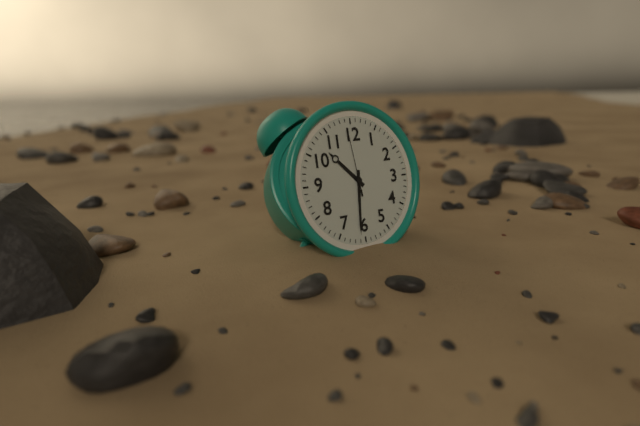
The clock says {"hour": 10, "minute": 31, "second": 59}
